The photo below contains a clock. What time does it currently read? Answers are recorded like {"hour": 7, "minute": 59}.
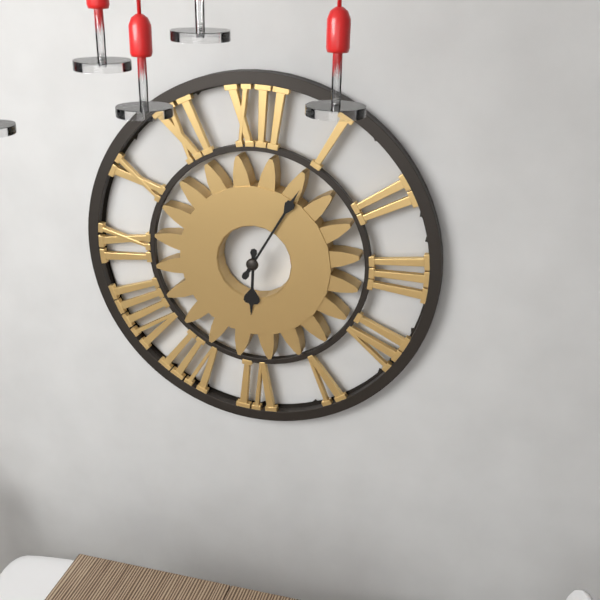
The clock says {"hour": 6, "minute": 5}
